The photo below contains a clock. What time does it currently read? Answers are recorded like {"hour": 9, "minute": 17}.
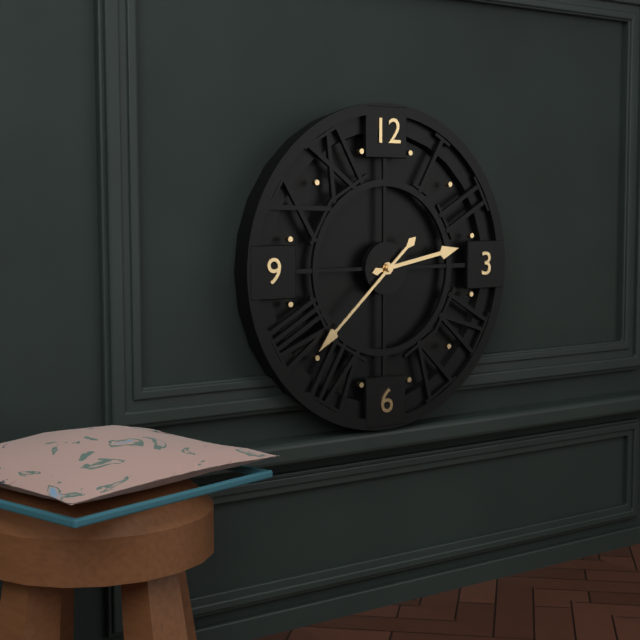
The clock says {"hour": 2, "minute": 38}
